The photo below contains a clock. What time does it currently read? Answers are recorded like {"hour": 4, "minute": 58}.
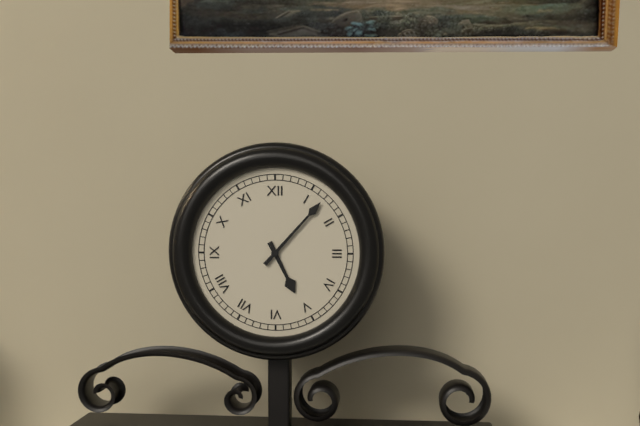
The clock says {"hour": 5, "minute": 7}
